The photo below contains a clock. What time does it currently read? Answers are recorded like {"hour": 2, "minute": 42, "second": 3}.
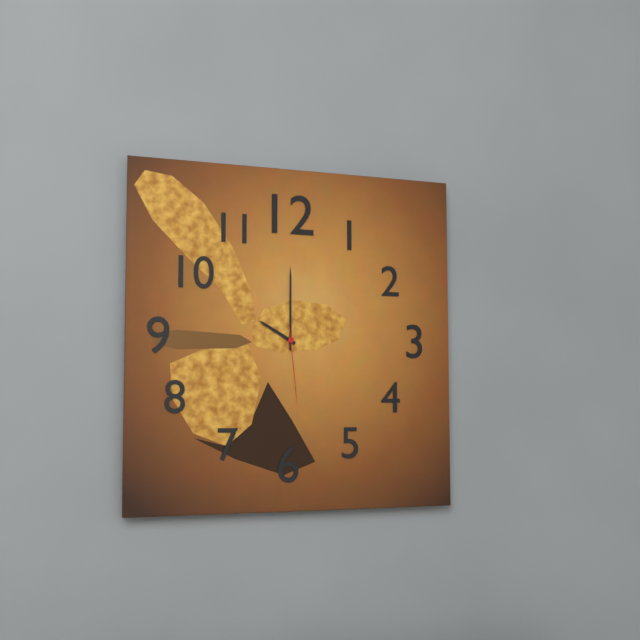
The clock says {"hour": 10, "minute": 0, "second": 29}
